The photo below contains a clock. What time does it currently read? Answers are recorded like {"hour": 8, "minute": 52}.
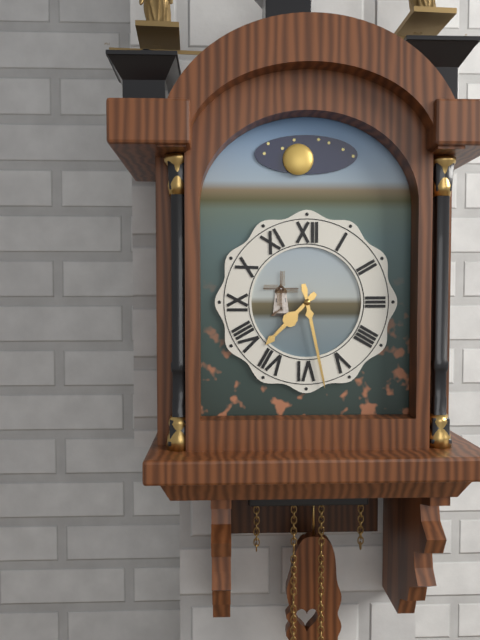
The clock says {"hour": 7, "minute": 28}
